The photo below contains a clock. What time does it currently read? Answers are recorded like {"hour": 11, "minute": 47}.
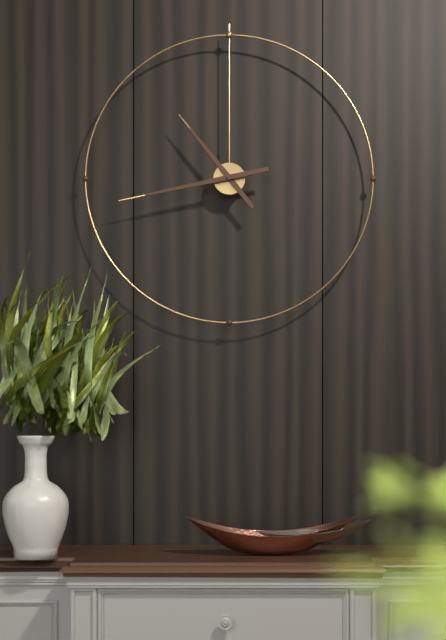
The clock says {"hour": 10, "minute": 43}
